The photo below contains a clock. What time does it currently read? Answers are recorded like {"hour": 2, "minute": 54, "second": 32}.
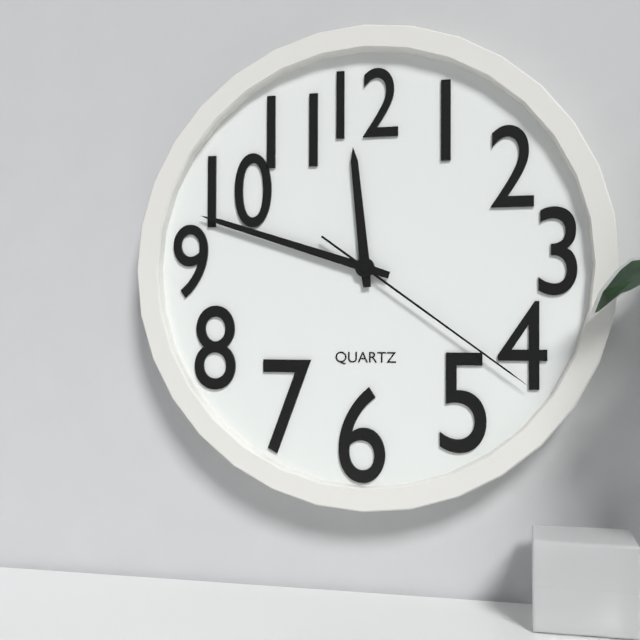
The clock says {"hour": 11, "minute": 48, "second": 21}
